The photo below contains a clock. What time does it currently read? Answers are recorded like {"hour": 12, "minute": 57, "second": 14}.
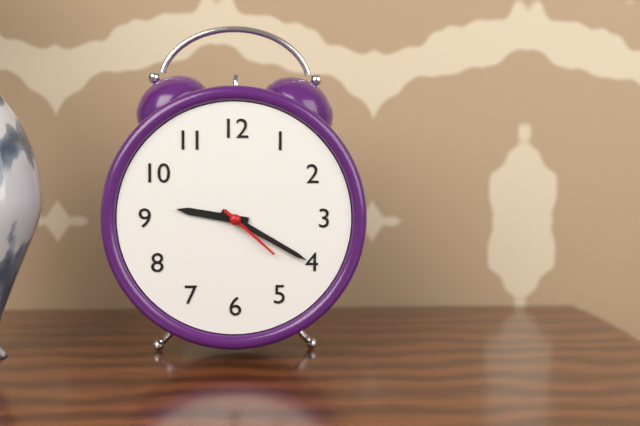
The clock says {"hour": 9, "minute": 20, "second": 22}
